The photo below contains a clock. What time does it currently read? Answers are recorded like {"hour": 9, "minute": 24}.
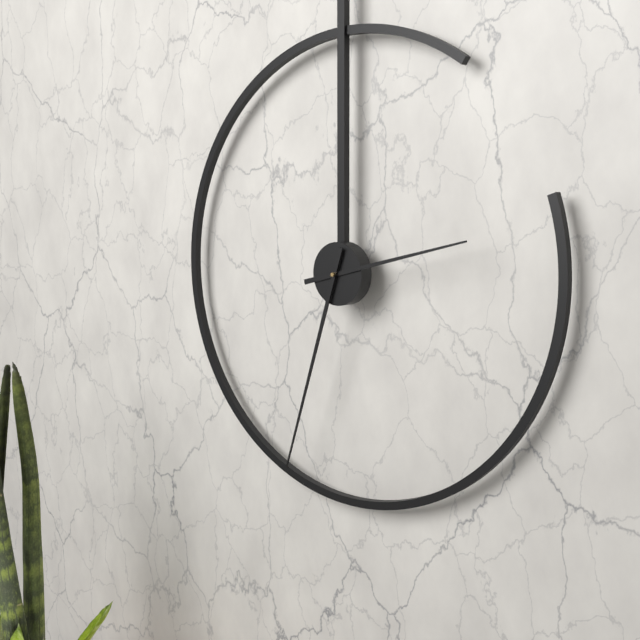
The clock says {"hour": 2, "minute": 33}
